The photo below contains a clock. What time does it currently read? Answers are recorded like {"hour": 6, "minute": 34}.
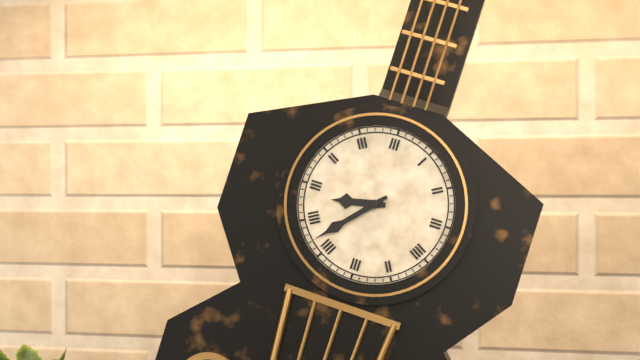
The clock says {"hour": 8, "minute": 37}
